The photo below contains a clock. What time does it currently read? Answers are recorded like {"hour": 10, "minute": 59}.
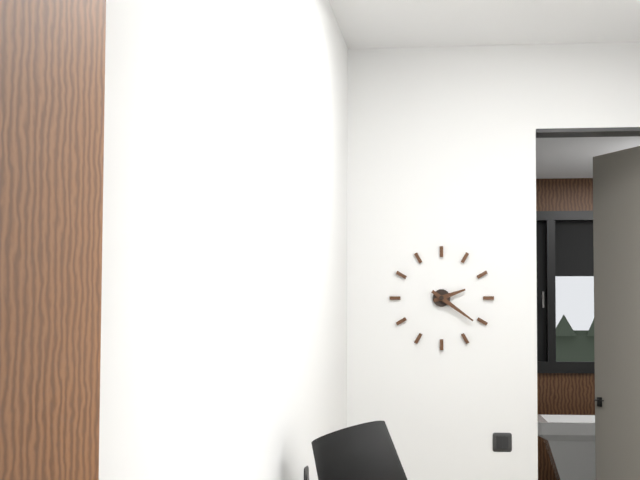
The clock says {"hour": 2, "minute": 21}
